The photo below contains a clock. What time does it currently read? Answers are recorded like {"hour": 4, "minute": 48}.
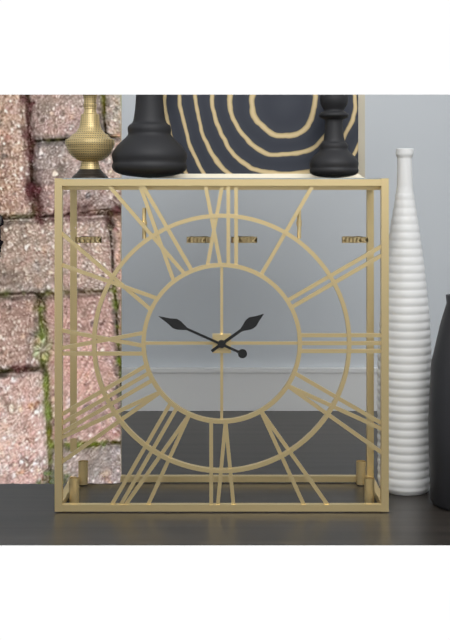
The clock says {"hour": 1, "minute": 49}
